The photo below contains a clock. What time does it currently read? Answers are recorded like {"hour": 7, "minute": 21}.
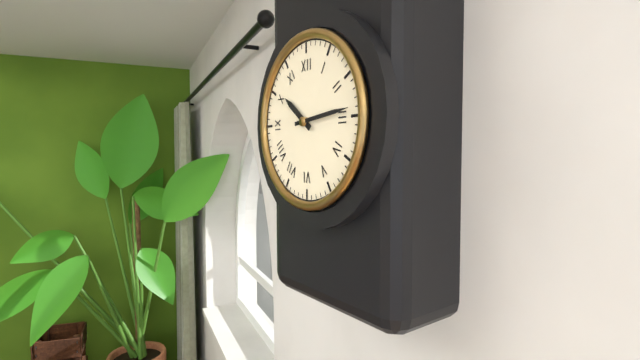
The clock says {"hour": 10, "minute": 14}
